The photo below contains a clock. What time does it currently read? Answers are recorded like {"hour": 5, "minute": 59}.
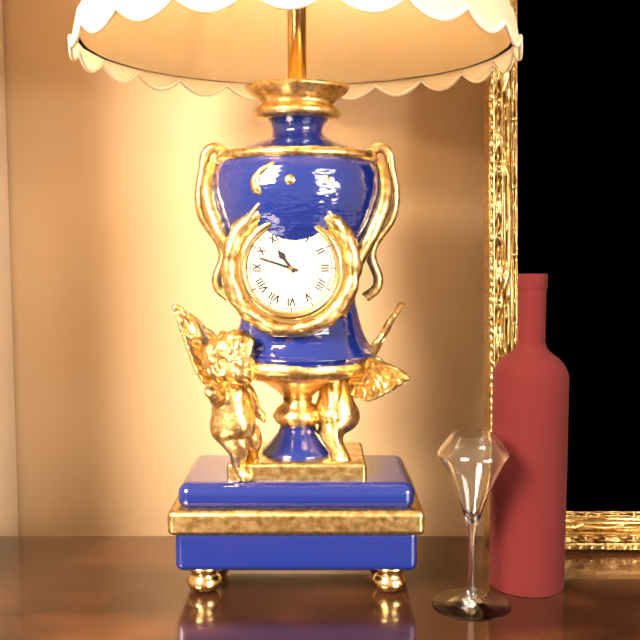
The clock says {"hour": 10, "minute": 48}
